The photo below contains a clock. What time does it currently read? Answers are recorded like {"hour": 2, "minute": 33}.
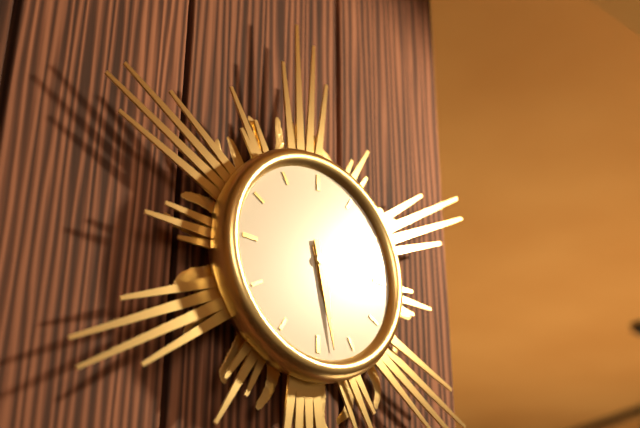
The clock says {"hour": 5, "minute": 28}
